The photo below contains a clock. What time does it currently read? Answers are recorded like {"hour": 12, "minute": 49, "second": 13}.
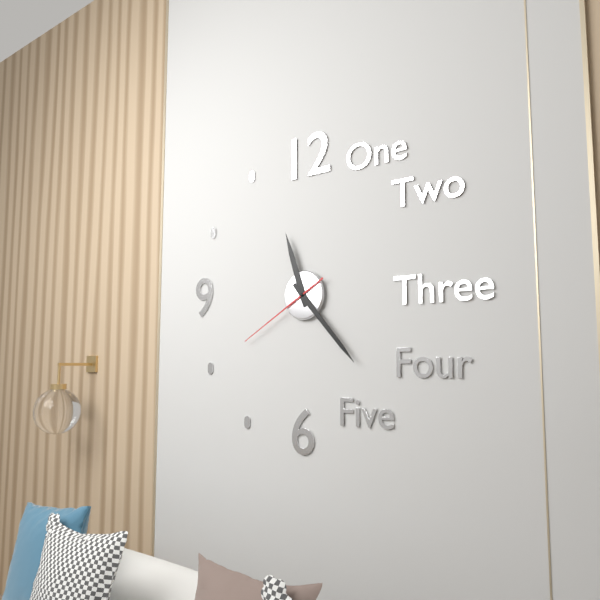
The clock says {"hour": 11, "minute": 23, "second": 40}
